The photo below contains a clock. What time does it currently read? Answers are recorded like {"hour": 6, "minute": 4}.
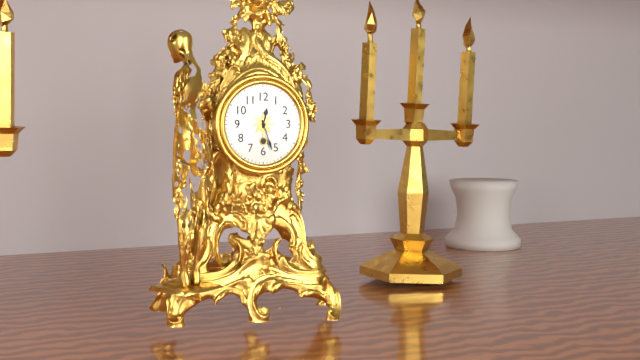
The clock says {"hour": 12, "minute": 27}
